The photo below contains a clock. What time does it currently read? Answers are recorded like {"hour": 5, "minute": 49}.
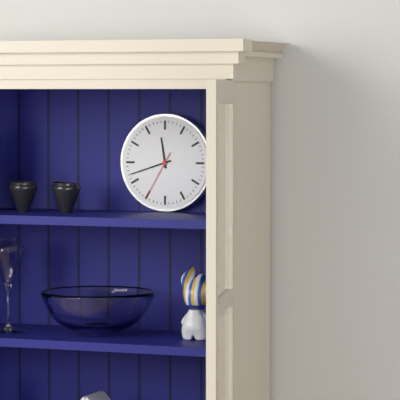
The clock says {"hour": 11, "minute": 42}
